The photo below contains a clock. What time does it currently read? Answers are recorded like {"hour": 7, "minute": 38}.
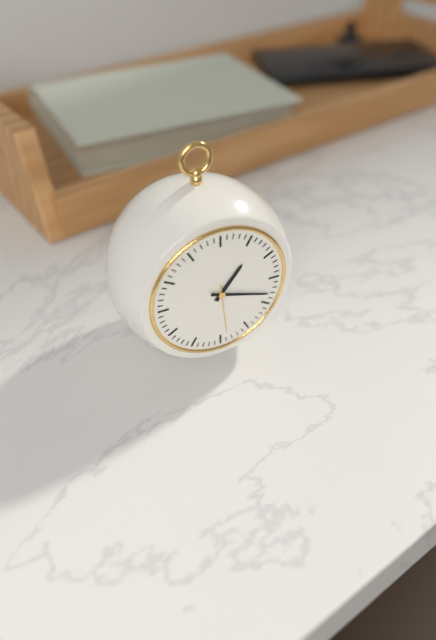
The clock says {"hour": 1, "minute": 18}
